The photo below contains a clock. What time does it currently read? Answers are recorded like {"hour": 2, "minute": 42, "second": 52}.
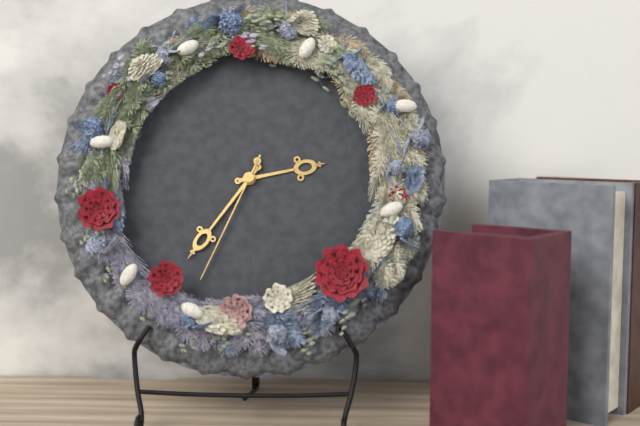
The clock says {"hour": 2, "minute": 36, "second": 34}
